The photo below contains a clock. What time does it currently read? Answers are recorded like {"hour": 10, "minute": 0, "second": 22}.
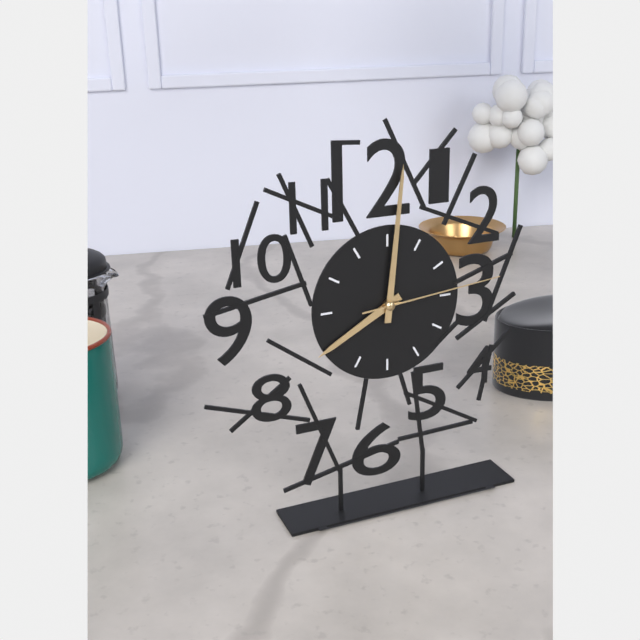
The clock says {"hour": 8, "minute": 1, "second": 14}
